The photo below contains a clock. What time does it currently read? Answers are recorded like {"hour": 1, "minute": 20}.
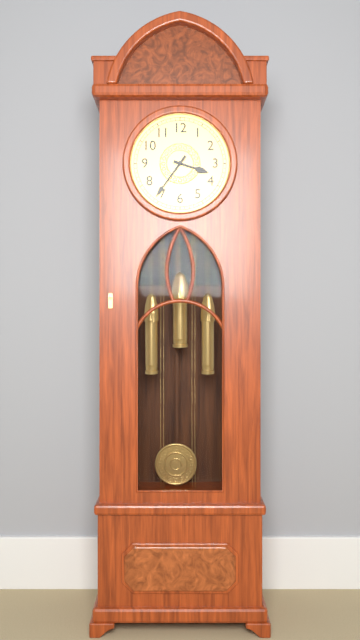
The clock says {"hour": 3, "minute": 36}
